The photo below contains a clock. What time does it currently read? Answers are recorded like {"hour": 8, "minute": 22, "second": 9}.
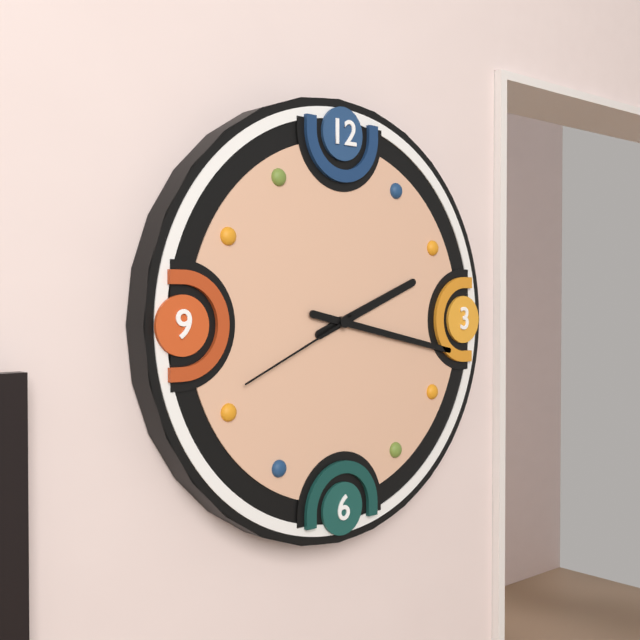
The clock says {"hour": 2, "minute": 17, "second": 41}
